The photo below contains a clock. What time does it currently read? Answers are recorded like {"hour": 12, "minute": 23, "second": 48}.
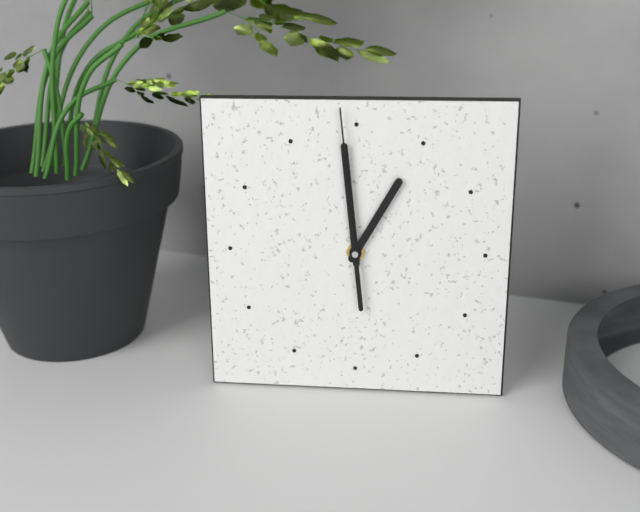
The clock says {"hour": 12, "minute": 59, "second": 59}
